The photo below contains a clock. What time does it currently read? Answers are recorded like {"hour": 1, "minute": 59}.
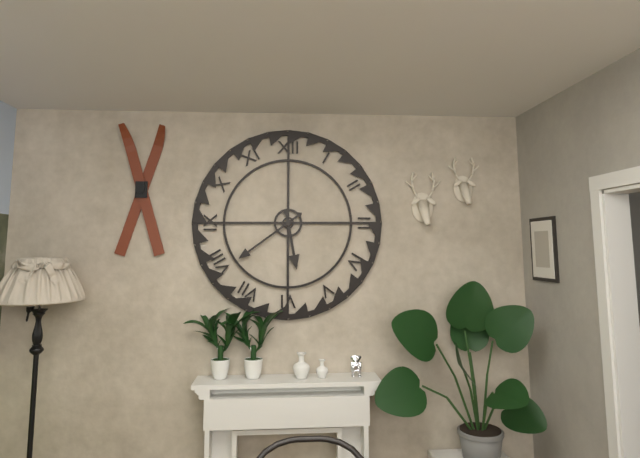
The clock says {"hour": 5, "minute": 39}
